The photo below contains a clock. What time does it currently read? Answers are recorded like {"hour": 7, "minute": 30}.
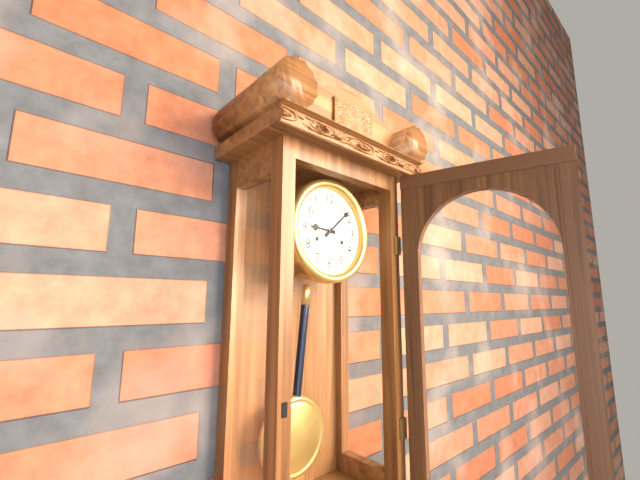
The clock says {"hour": 9, "minute": 8}
